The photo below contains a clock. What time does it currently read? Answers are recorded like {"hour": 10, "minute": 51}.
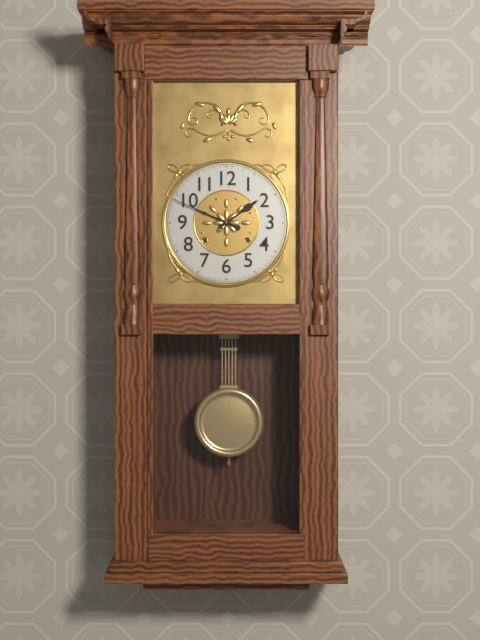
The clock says {"hour": 1, "minute": 49}
